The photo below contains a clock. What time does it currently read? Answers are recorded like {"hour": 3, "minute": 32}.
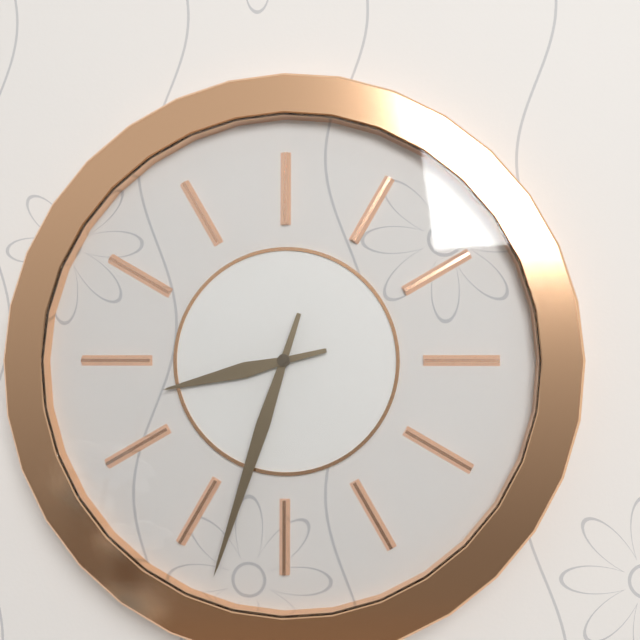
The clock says {"hour": 8, "minute": 33}
